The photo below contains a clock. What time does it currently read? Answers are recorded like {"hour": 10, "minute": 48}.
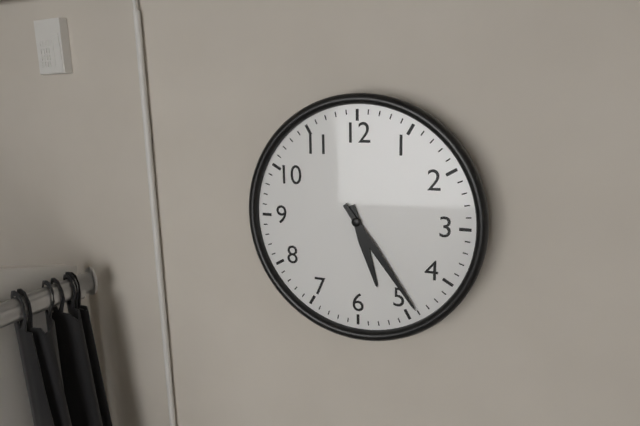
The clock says {"hour": 5, "minute": 24}
